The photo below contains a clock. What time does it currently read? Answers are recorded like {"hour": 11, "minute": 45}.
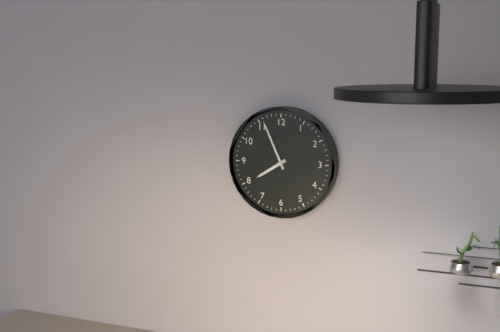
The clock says {"hour": 7, "minute": 56}
